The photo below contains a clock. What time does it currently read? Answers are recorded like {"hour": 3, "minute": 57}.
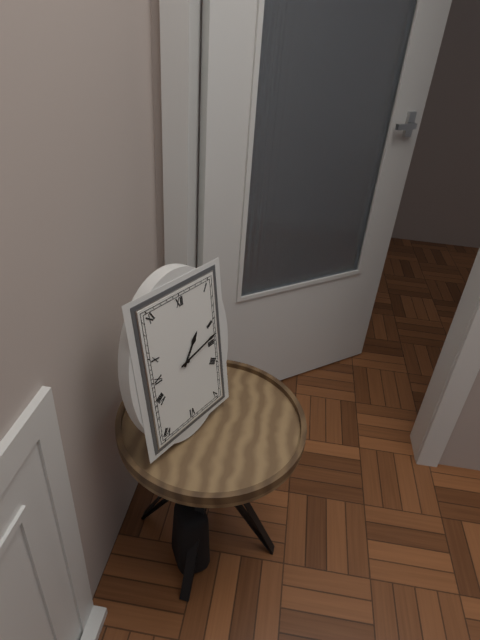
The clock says {"hour": 1, "minute": 13}
